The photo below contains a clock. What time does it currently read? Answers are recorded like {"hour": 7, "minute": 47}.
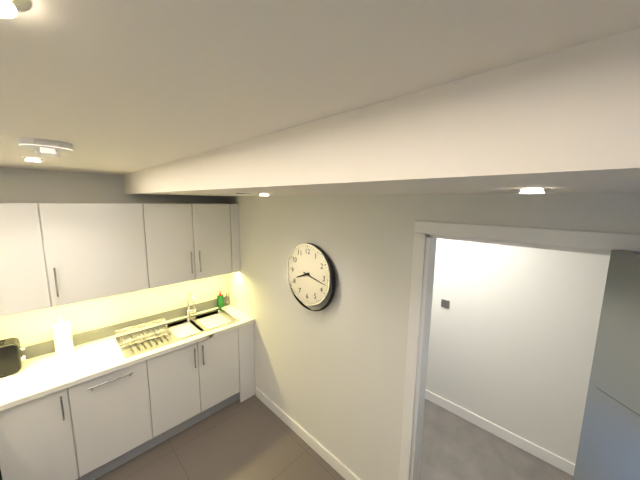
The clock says {"hour": 8, "minute": 17}
